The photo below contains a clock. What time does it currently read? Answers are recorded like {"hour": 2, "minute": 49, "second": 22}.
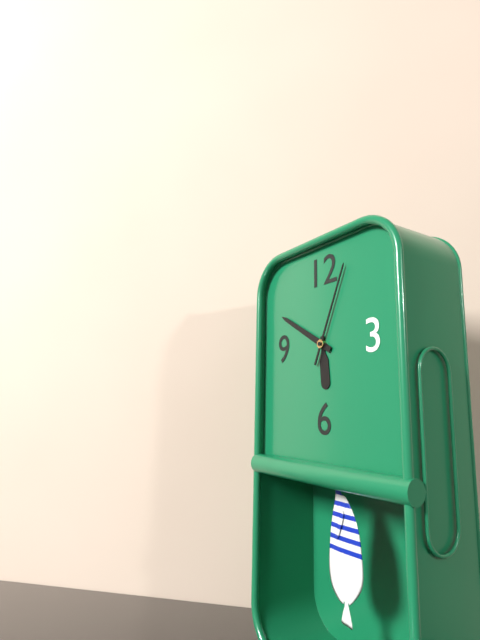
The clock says {"hour": 5, "minute": 50, "second": 4}
